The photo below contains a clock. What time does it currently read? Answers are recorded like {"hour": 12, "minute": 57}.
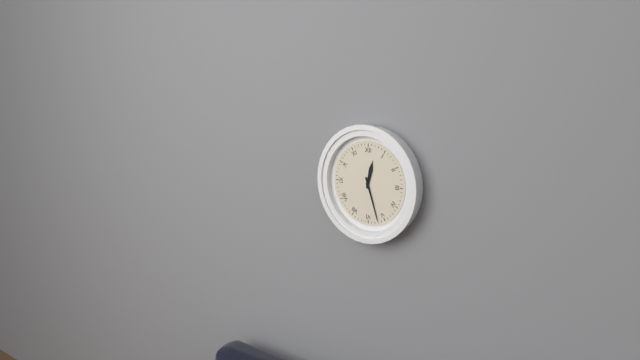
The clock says {"hour": 12, "minute": 27}
